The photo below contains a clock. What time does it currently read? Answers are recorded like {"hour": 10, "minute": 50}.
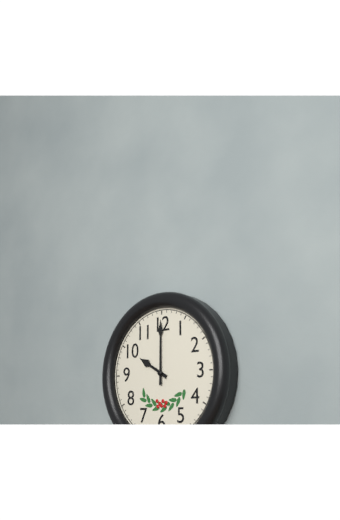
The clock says {"hour": 10, "minute": 0}
